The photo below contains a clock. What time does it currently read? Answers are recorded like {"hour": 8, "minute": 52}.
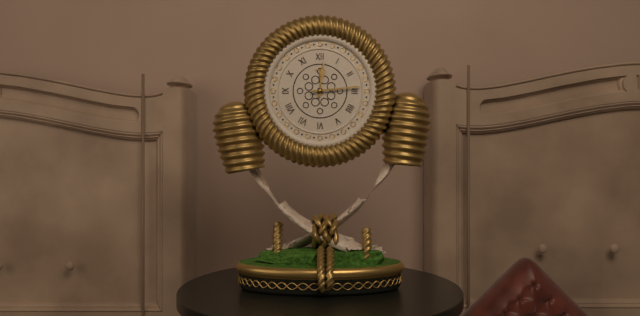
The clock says {"hour": 12, "minute": 14}
